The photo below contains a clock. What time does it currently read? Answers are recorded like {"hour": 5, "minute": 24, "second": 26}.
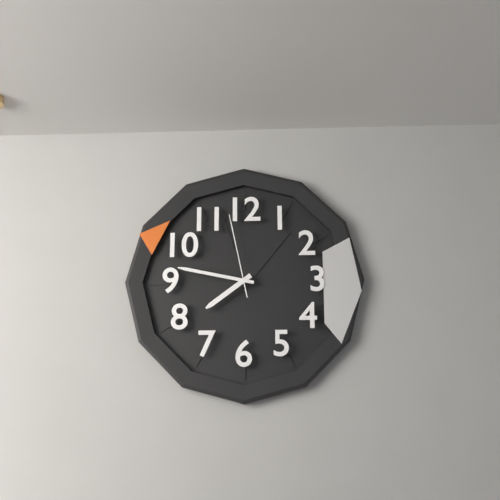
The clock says {"hour": 7, "minute": 47, "second": 58}
